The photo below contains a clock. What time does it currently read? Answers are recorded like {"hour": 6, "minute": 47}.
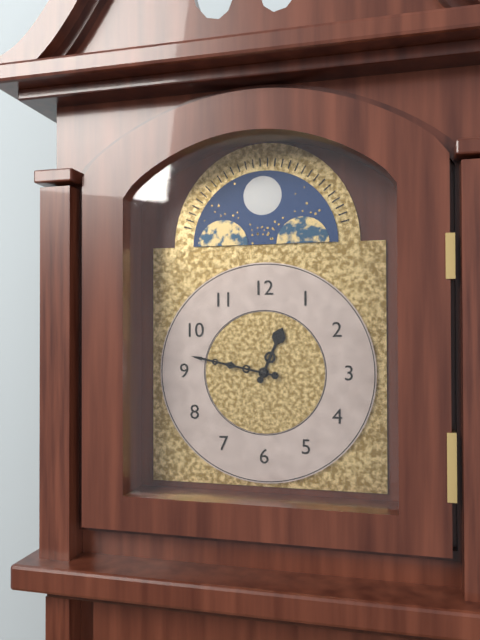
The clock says {"hour": 12, "minute": 47}
